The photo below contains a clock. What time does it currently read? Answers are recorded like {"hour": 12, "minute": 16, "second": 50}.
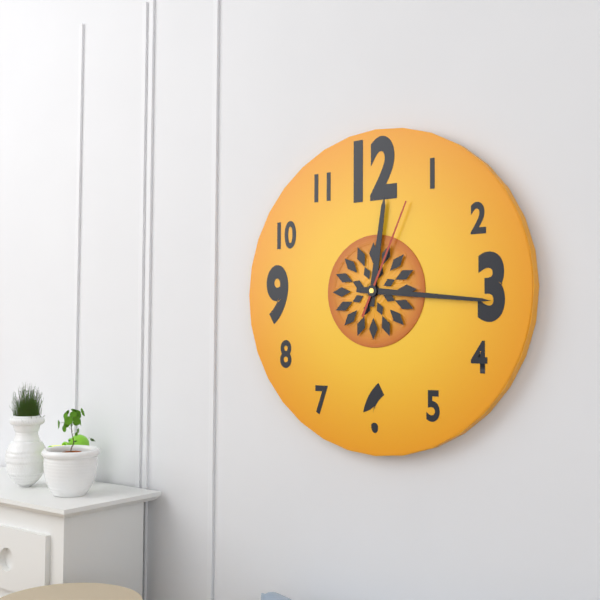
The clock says {"hour": 12, "minute": 16, "second": 4}
